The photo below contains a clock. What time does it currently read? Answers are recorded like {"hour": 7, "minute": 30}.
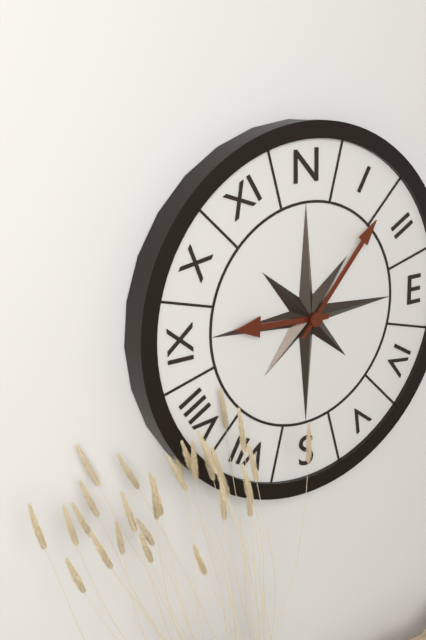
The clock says {"hour": 9, "minute": 7}
